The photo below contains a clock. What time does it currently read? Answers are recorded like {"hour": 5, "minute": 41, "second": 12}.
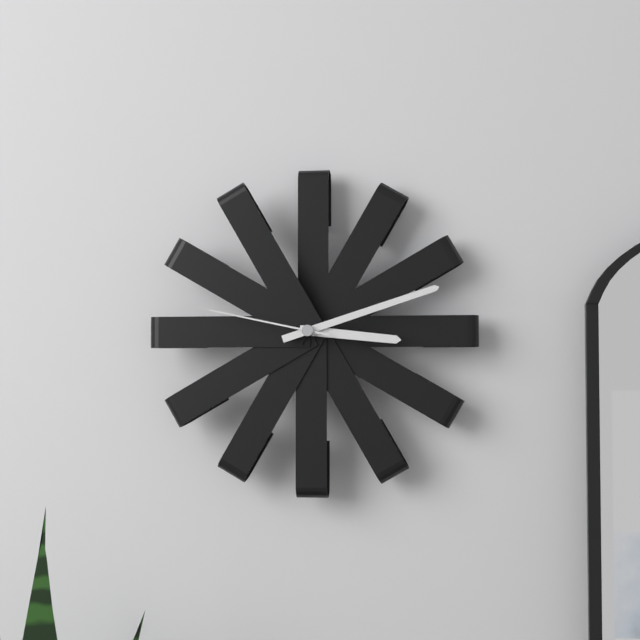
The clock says {"hour": 3, "minute": 12, "second": 47}
